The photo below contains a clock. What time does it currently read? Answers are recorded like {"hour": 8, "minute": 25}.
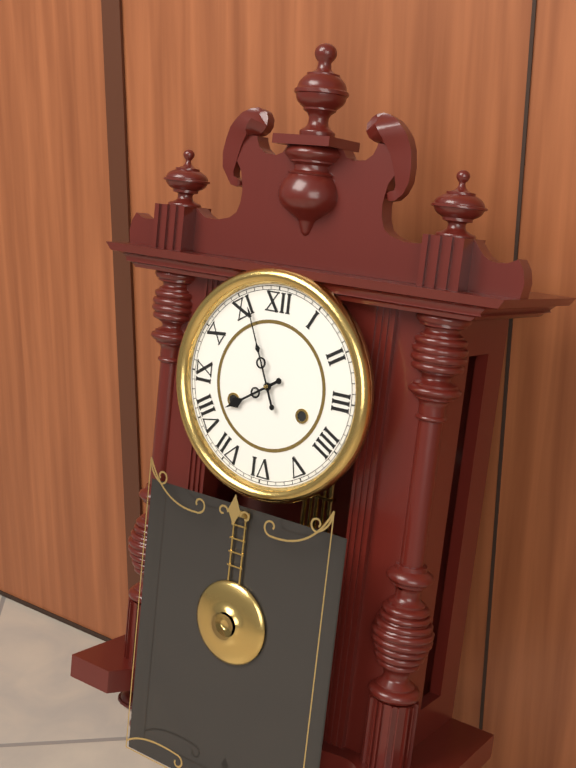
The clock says {"hour": 7, "minute": 56}
